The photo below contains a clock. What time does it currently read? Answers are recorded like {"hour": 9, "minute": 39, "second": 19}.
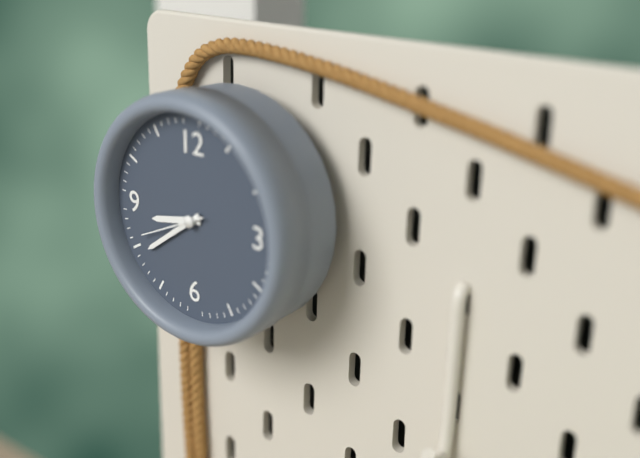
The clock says {"hour": 8, "minute": 39, "second": 41}
